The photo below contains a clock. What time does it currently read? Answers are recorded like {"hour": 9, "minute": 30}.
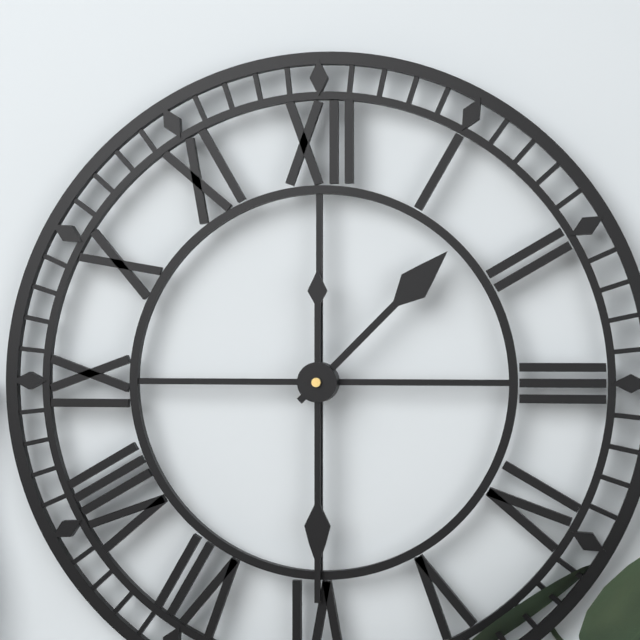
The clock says {"hour": 1, "minute": 30}
